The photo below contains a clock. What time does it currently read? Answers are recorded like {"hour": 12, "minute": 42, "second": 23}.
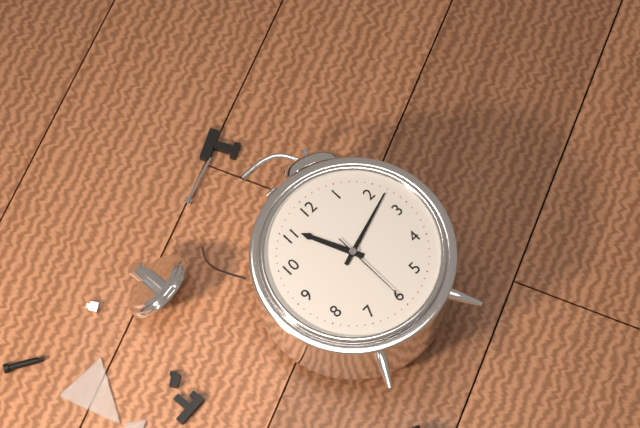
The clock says {"hour": 11, "minute": 12, "second": 30}
